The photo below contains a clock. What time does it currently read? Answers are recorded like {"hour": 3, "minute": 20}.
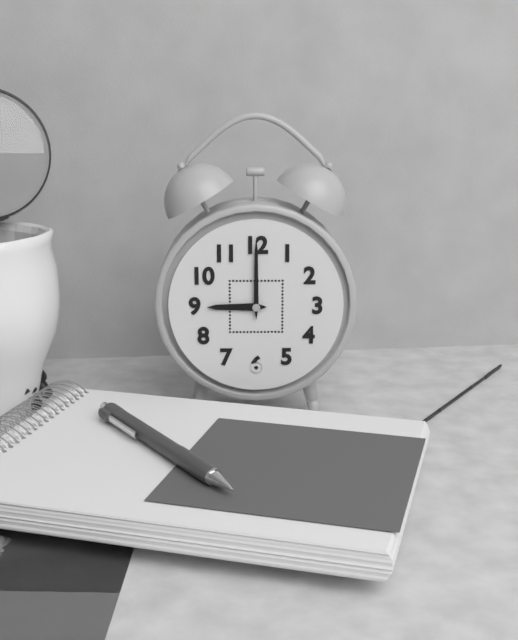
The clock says {"hour": 9, "minute": 0}
